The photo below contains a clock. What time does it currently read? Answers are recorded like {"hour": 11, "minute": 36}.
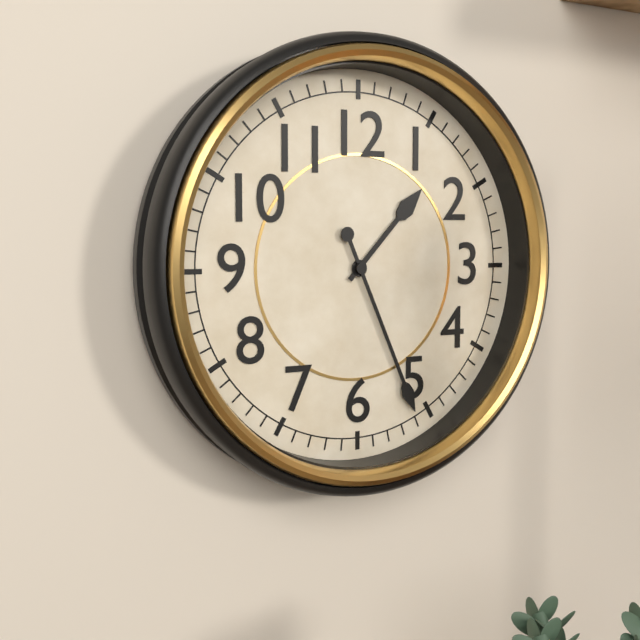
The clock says {"hour": 1, "minute": 26}
